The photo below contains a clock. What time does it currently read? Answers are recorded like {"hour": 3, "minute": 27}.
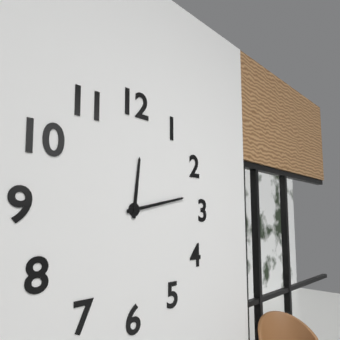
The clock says {"hour": 12, "minute": 13}
